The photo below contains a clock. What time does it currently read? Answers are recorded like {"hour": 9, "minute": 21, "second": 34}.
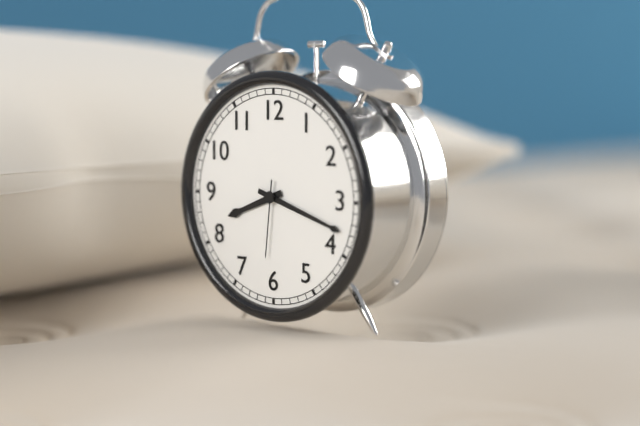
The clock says {"hour": 8, "minute": 18, "second": 31}
